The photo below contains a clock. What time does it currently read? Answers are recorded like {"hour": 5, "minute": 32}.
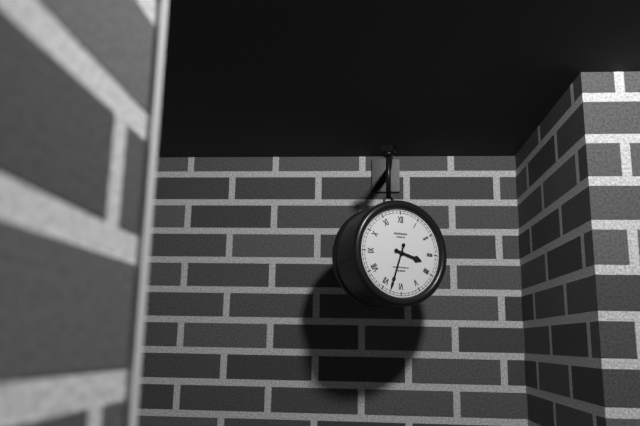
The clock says {"hour": 3, "minute": 33}
